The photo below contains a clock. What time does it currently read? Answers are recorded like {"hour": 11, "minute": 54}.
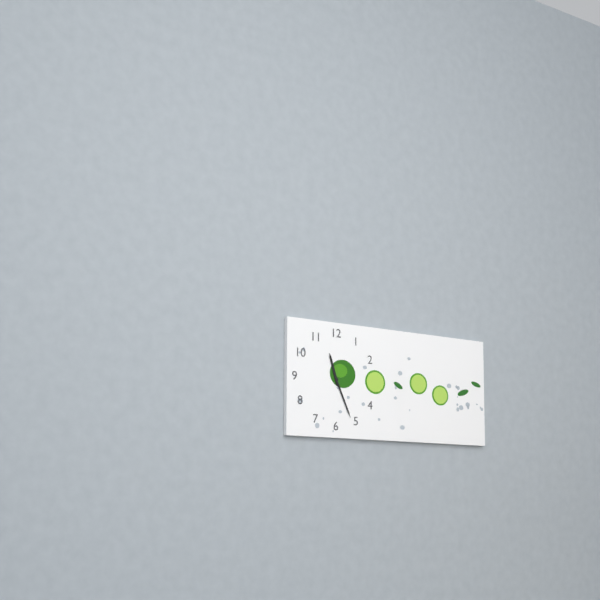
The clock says {"hour": 11, "minute": 26}
